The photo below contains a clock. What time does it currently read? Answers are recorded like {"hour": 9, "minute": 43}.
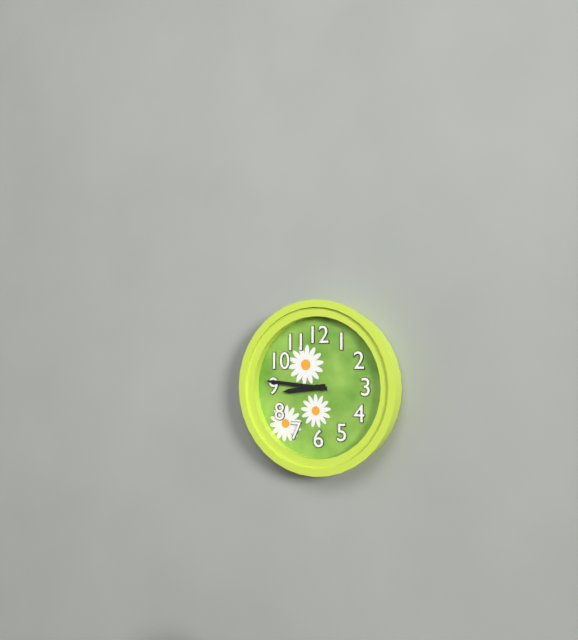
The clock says {"hour": 8, "minute": 46}
